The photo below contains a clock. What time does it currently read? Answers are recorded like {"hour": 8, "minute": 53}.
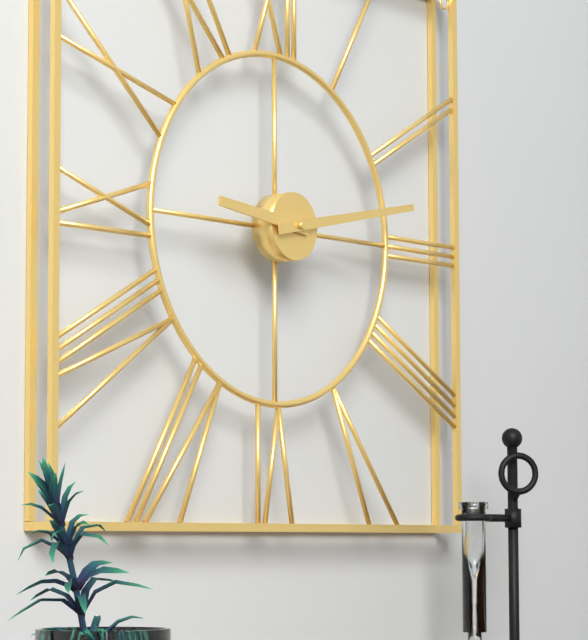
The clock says {"hour": 9, "minute": 13}
